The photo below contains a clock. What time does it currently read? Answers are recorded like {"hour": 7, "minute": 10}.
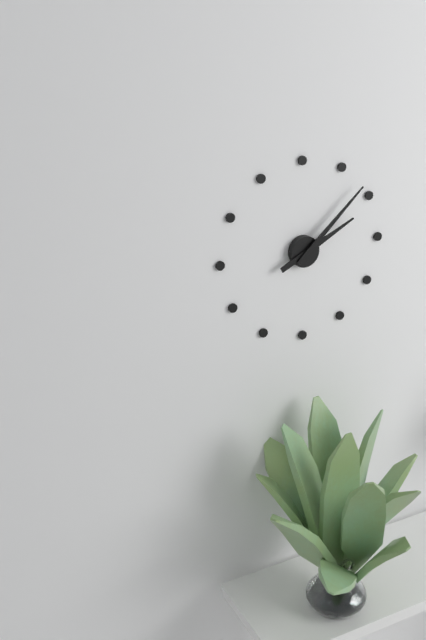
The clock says {"hour": 2, "minute": 8}
